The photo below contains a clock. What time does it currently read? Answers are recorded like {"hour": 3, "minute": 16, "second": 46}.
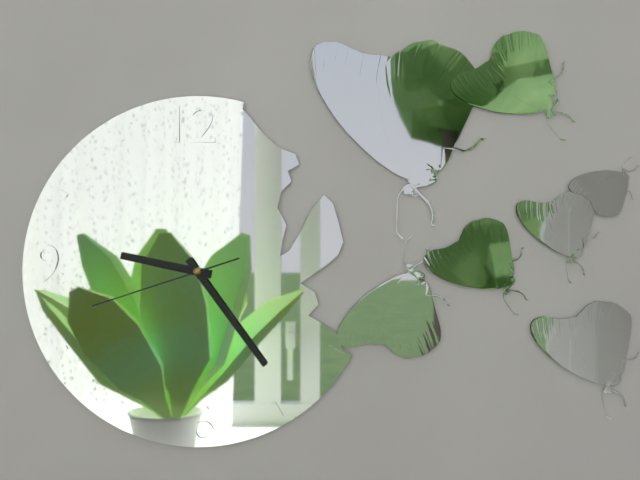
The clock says {"hour": 9, "minute": 24, "second": 42}
